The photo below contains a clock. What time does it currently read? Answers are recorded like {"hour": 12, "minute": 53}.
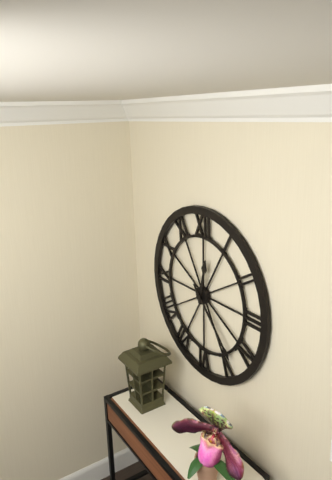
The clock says {"hour": 12, "minute": 23}
